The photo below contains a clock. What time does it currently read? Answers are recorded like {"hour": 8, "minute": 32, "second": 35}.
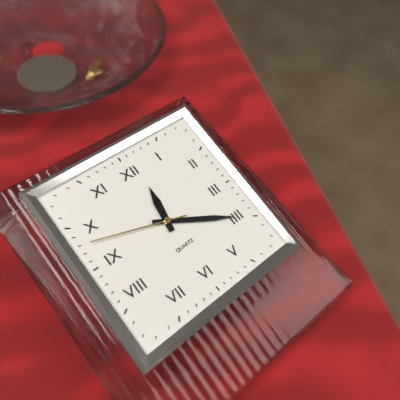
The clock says {"hour": 12, "minute": 20, "second": 48}
